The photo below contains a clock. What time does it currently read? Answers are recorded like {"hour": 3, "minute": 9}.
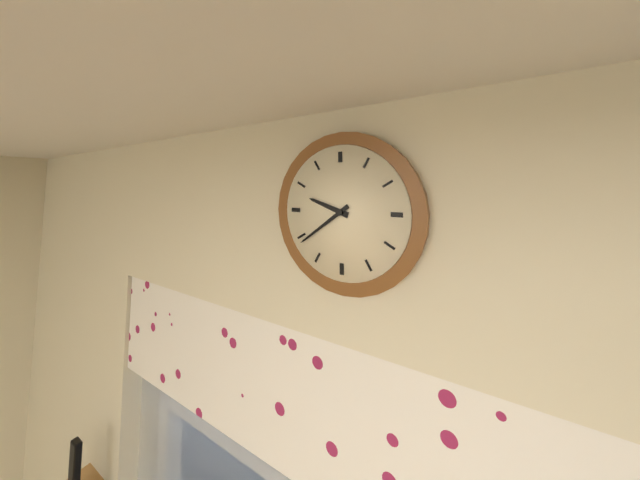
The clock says {"hour": 9, "minute": 39}
